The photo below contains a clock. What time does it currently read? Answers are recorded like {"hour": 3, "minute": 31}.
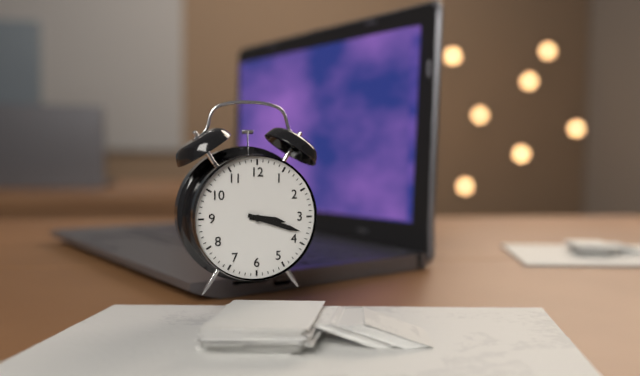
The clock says {"hour": 3, "minute": 18}
